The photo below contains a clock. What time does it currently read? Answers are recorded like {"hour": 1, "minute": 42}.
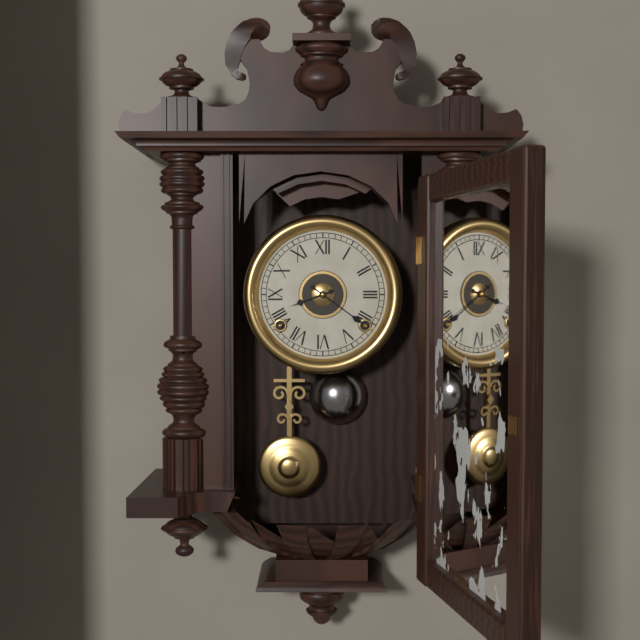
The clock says {"hour": 8, "minute": 21}
